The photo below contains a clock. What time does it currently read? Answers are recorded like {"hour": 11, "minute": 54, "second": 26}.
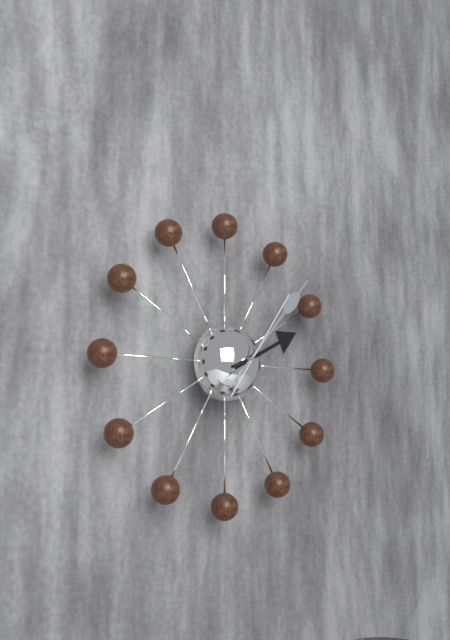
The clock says {"hour": 2, "minute": 7, "second": 6}
